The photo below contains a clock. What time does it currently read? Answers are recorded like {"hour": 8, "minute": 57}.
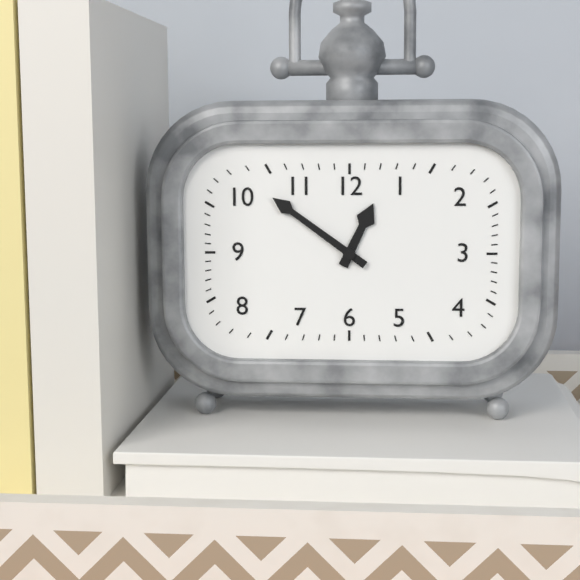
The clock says {"hour": 12, "minute": 51}
